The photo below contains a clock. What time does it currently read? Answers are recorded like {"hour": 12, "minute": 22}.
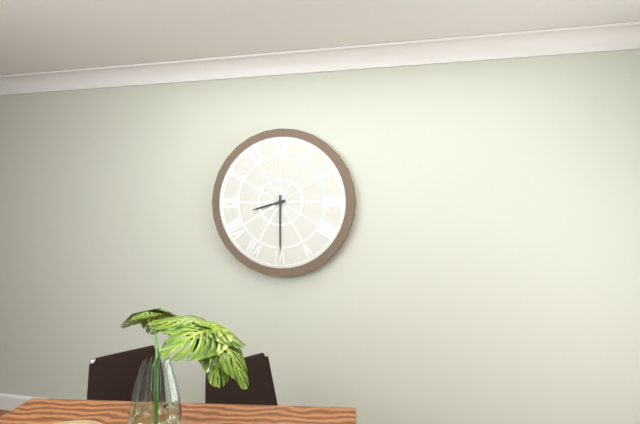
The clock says {"hour": 8, "minute": 30}
